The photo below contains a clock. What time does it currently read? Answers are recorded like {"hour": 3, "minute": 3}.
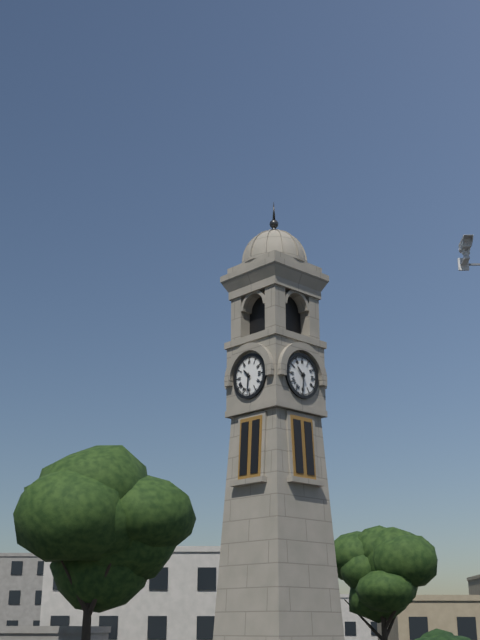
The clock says {"hour": 10, "minute": 31}
